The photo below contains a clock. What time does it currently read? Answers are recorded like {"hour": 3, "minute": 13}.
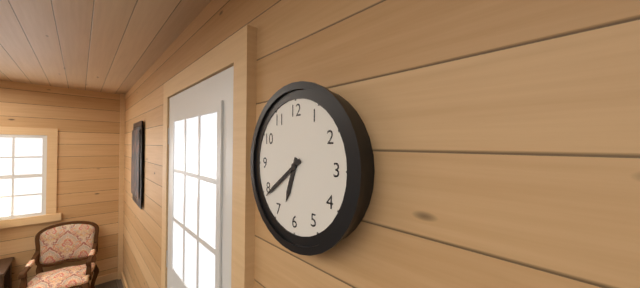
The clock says {"hour": 6, "minute": 39}
